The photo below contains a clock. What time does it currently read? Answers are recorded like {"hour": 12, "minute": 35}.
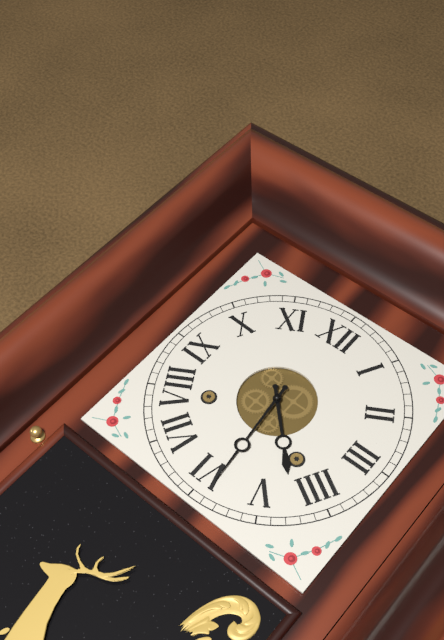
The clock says {"hour": 4, "minute": 29}
